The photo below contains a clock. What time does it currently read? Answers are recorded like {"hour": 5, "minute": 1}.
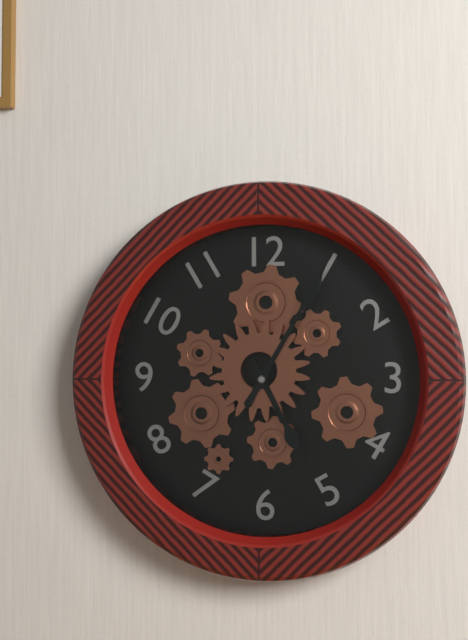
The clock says {"hour": 5, "minute": 5}
